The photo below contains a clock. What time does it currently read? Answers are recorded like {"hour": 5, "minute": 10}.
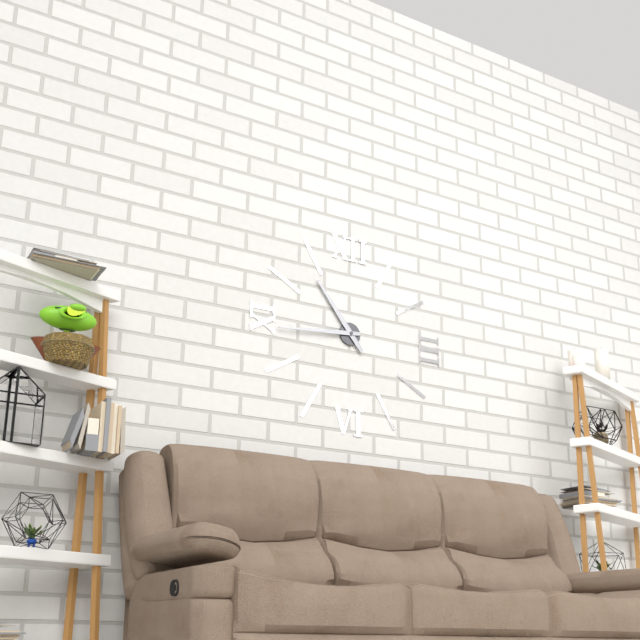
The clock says {"hour": 10, "minute": 44}
